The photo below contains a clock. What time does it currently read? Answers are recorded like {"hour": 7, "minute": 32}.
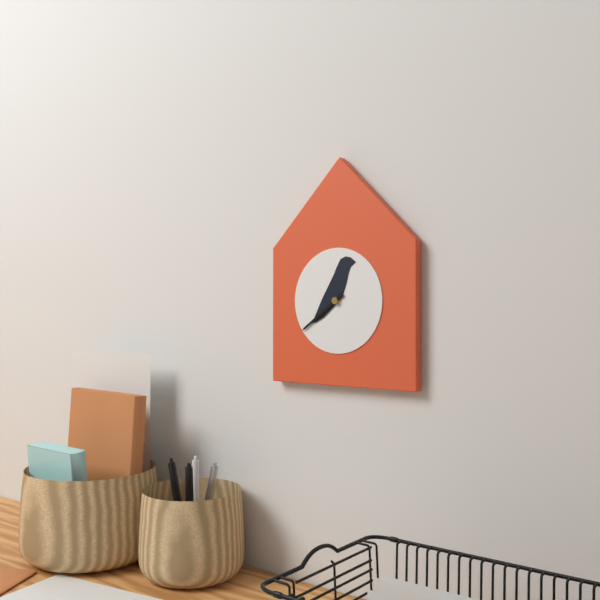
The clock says {"hour": 7, "minute": 39}
